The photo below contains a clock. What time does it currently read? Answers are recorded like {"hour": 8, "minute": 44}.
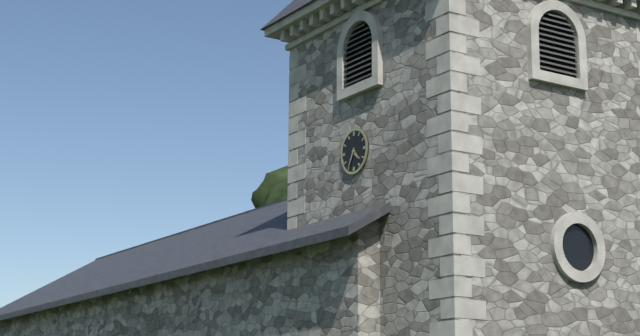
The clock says {"hour": 4, "minute": 35}
